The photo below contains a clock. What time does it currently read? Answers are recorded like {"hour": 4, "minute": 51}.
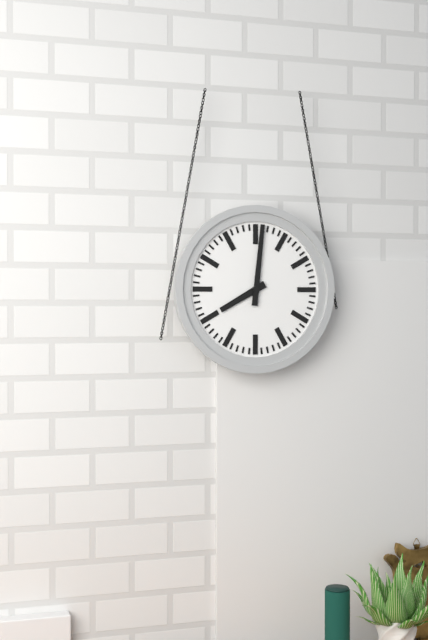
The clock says {"hour": 8, "minute": 1}
